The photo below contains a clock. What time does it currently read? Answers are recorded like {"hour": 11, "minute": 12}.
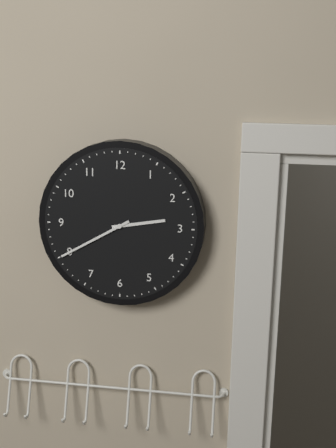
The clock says {"hour": 2, "minute": 40}
